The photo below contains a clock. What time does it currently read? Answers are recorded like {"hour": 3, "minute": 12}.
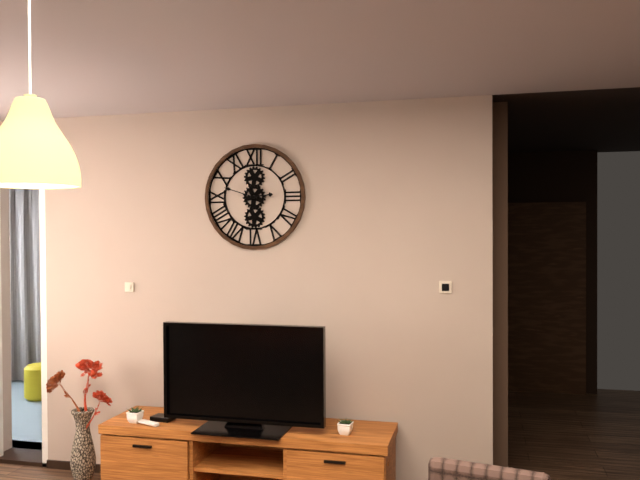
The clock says {"hour": 2, "minute": 48}
